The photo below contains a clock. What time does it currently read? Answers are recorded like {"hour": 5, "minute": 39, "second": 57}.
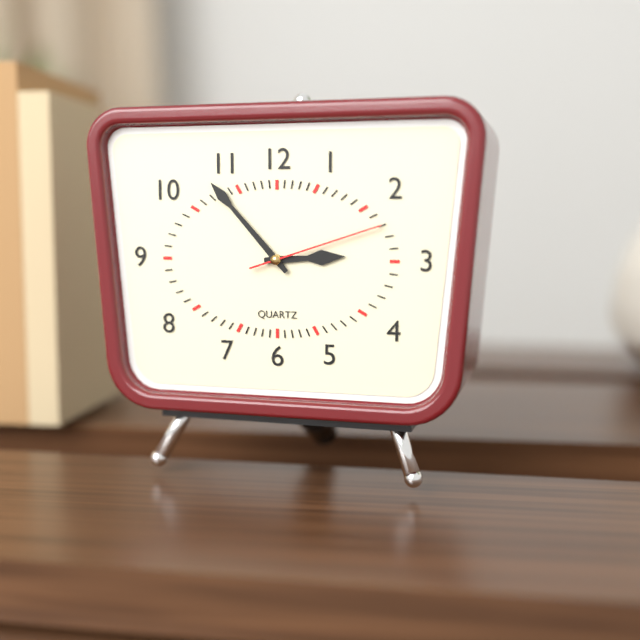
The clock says {"hour": 2, "minute": 53, "second": 12}
